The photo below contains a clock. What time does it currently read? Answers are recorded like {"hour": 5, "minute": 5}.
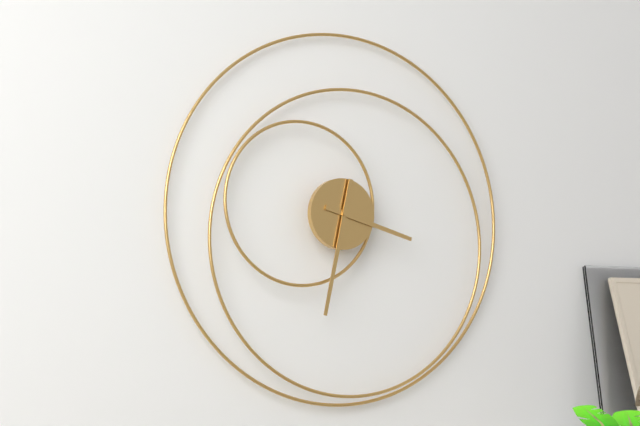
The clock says {"hour": 3, "minute": 32}
